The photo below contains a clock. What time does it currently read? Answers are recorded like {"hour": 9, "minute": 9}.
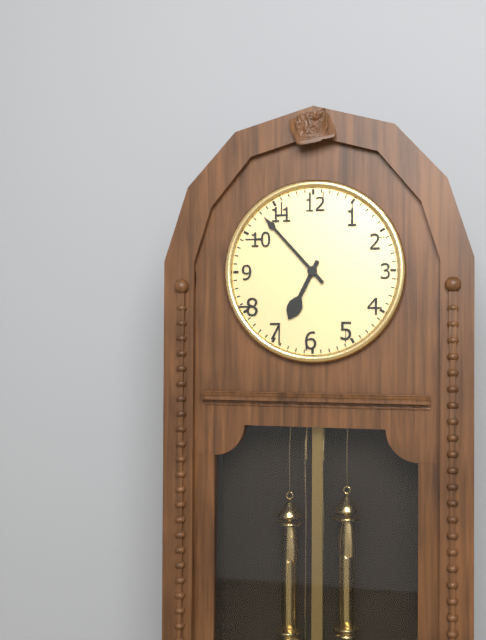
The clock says {"hour": 6, "minute": 53}
